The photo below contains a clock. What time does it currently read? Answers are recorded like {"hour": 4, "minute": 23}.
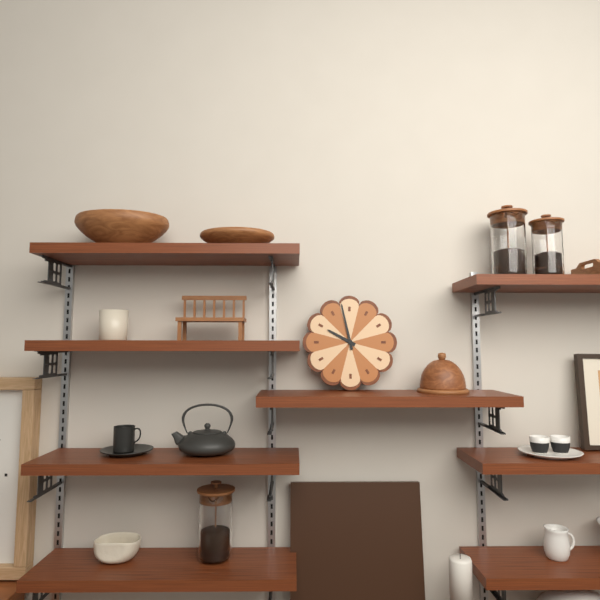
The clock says {"hour": 9, "minute": 58}
